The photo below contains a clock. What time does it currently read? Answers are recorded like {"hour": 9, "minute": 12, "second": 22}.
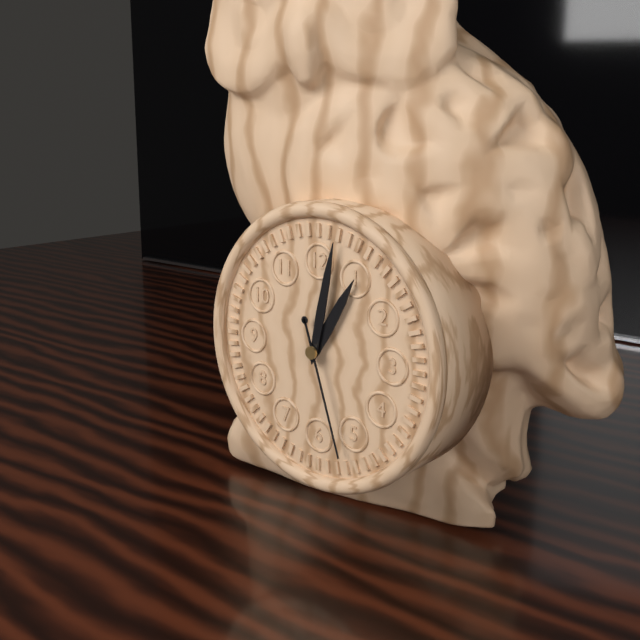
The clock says {"hour": 1, "minute": 2, "second": 27}
